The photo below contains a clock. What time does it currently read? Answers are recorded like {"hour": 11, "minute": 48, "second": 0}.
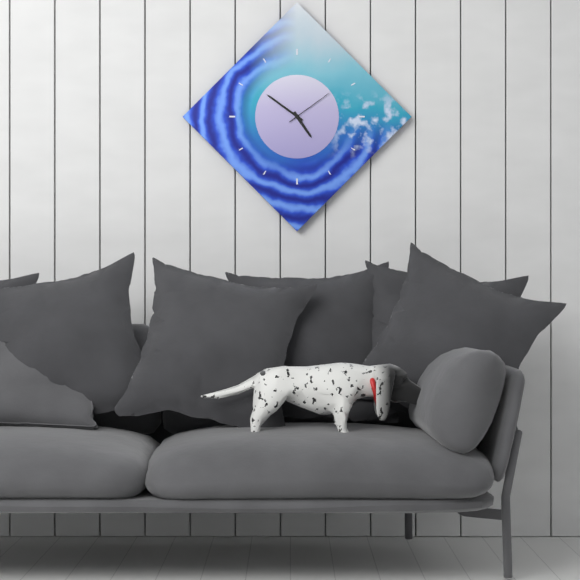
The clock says {"hour": 4, "minute": 51, "second": 9}
